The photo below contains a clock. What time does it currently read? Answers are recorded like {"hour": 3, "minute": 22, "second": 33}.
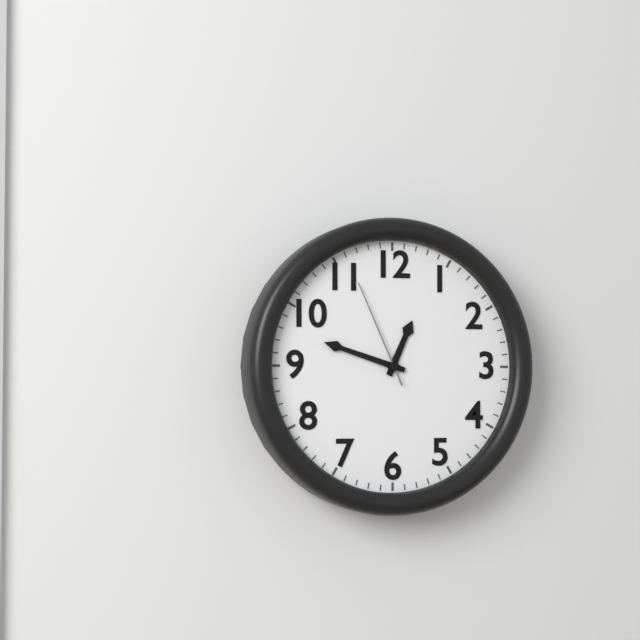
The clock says {"hour": 12, "minute": 48, "second": 56}
